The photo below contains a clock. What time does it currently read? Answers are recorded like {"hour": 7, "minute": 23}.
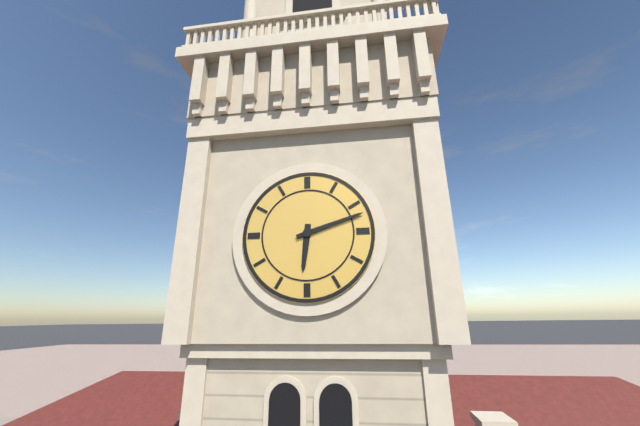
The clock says {"hour": 6, "minute": 12}
